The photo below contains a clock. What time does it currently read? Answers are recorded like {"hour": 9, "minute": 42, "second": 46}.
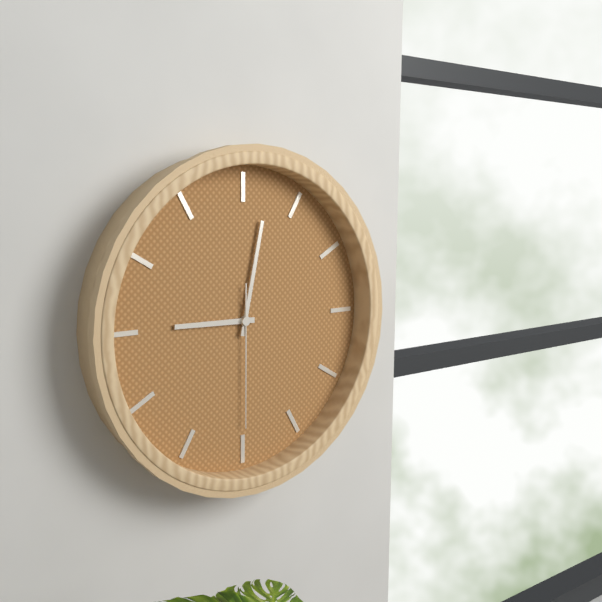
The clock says {"hour": 9, "minute": 2, "second": 30}
